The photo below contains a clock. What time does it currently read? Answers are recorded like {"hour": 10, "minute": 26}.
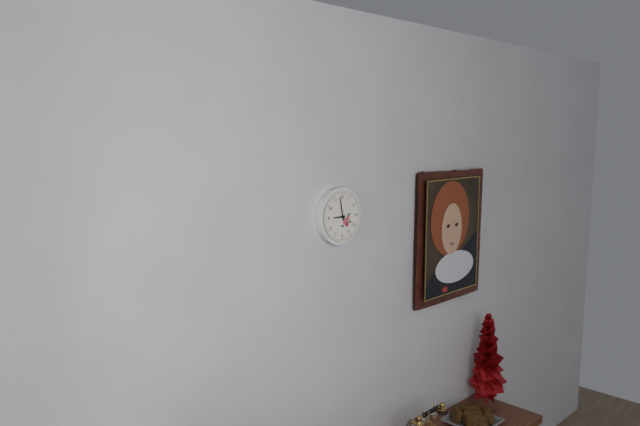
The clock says {"hour": 8, "minute": 58}
